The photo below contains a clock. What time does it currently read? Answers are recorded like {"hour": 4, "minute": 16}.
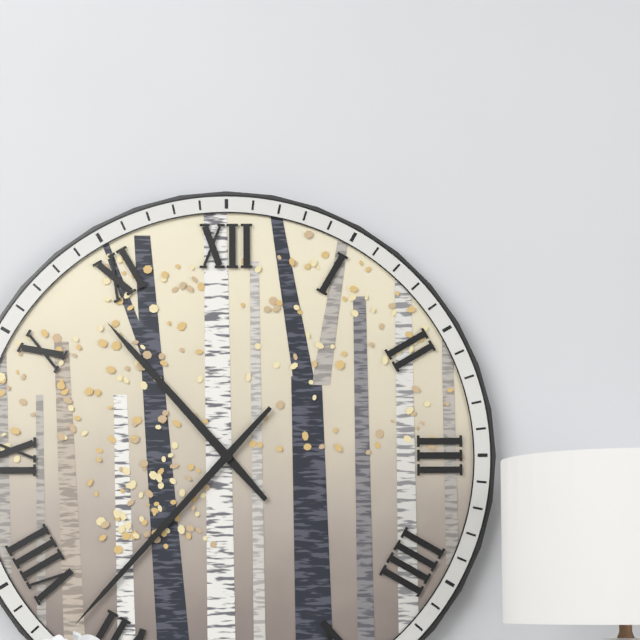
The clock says {"hour": 10, "minute": 37}
